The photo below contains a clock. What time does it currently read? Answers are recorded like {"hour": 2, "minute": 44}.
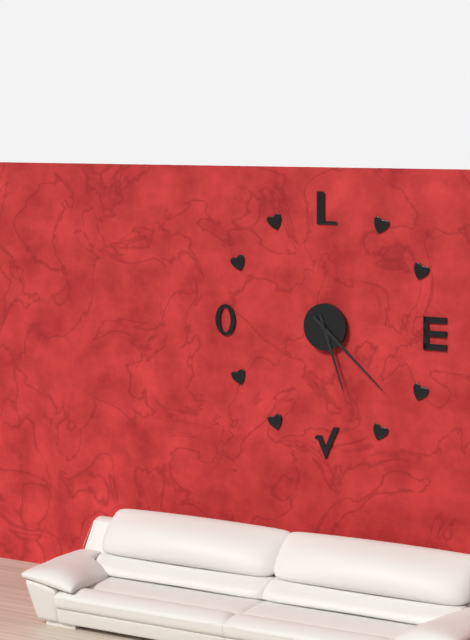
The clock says {"hour": 5, "minute": 22}
